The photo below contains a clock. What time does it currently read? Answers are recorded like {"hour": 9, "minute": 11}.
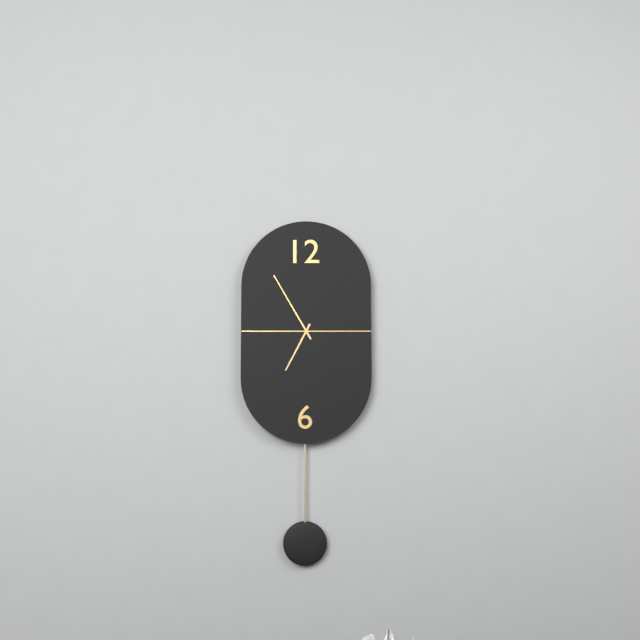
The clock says {"hour": 6, "minute": 55}
